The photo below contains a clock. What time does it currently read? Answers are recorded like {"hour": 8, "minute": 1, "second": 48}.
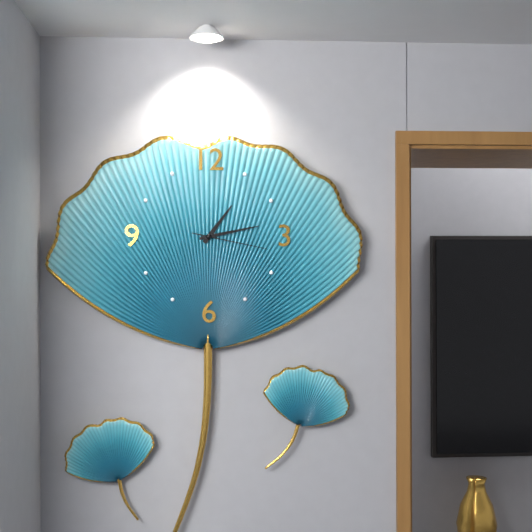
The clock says {"hour": 1, "minute": 13, "second": 17}
